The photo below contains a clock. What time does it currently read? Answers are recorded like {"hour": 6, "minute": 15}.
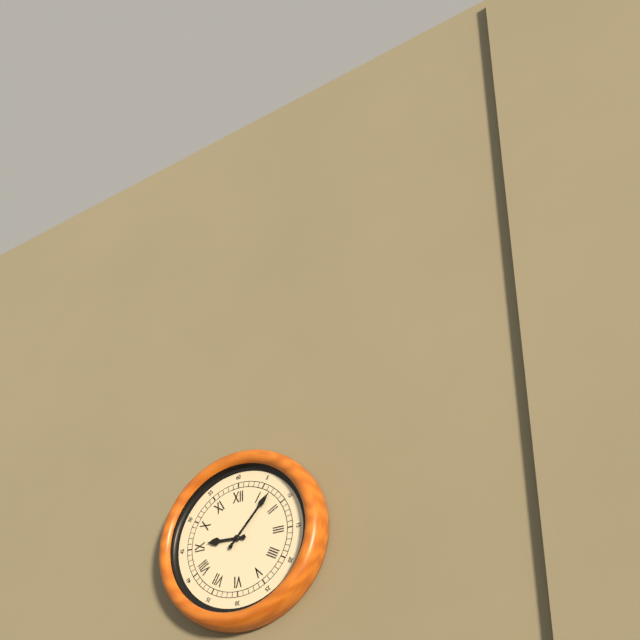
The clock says {"hour": 9, "minute": 7}
